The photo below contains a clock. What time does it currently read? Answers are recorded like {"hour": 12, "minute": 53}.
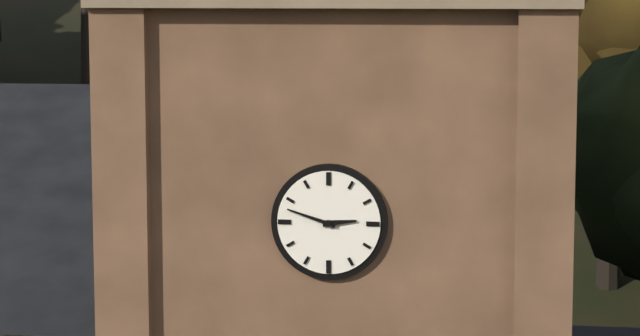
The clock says {"hour": 2, "minute": 48}
